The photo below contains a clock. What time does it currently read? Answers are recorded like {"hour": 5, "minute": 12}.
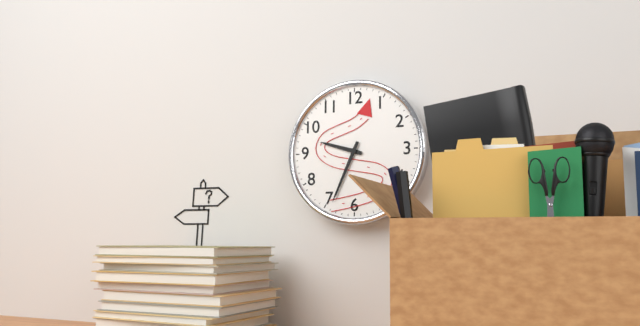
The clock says {"hour": 9, "minute": 34}
